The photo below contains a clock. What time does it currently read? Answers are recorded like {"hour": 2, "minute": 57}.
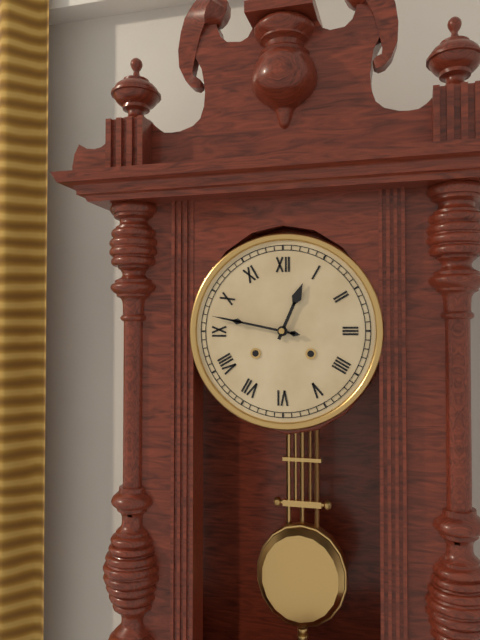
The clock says {"hour": 12, "minute": 47}
